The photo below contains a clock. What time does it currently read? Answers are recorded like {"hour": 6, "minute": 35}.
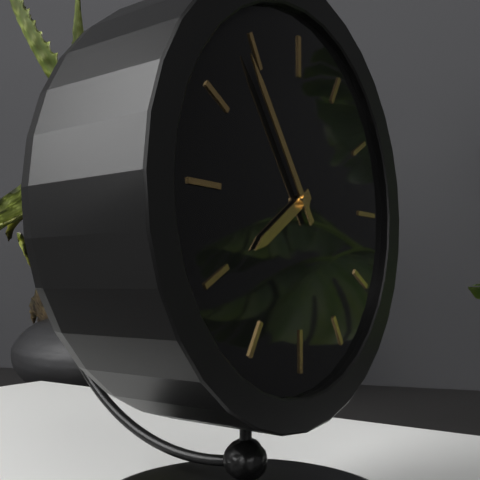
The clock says {"hour": 7, "minute": 54}
